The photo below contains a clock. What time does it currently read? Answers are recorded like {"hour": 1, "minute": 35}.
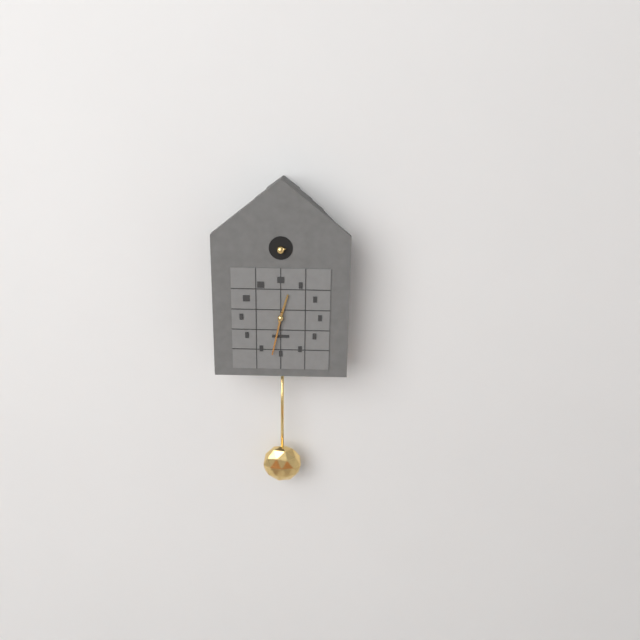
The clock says {"hour": 12, "minute": 32}
